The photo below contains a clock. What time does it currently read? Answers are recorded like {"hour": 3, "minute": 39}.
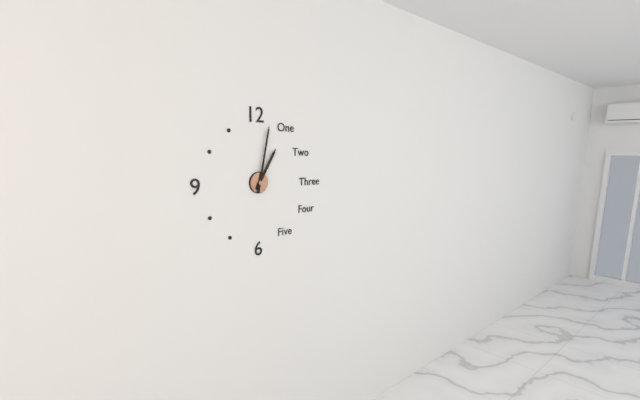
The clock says {"hour": 1, "minute": 2}
